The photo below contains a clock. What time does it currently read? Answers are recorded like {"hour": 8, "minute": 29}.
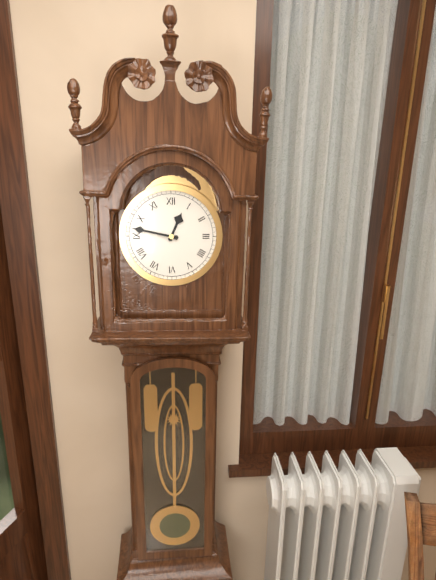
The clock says {"hour": 12, "minute": 47}
